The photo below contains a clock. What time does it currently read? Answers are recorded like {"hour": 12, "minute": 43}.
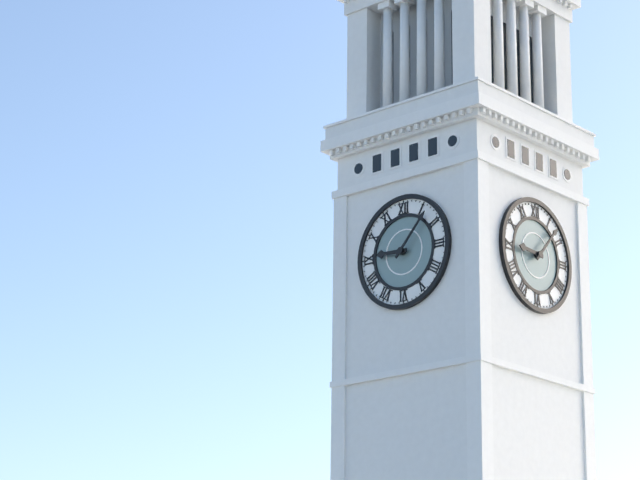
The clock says {"hour": 9, "minute": 7}
